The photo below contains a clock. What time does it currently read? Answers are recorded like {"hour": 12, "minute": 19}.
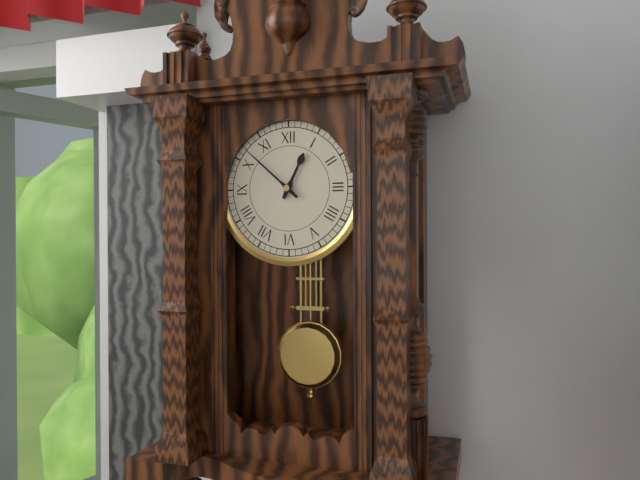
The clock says {"hour": 12, "minute": 52}
